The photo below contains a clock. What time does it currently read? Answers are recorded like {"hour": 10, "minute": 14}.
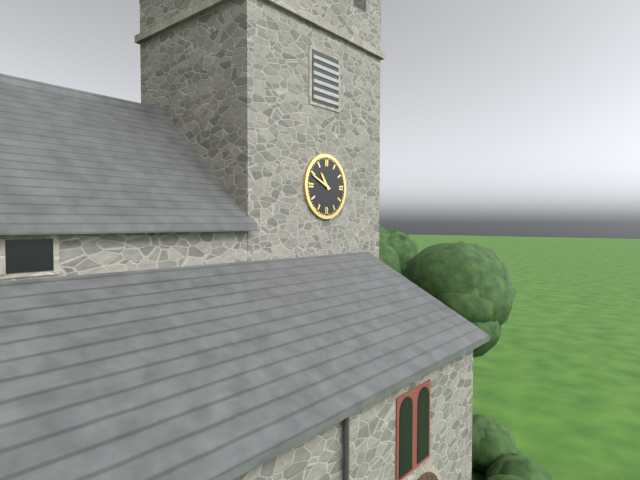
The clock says {"hour": 10, "minute": 49}
